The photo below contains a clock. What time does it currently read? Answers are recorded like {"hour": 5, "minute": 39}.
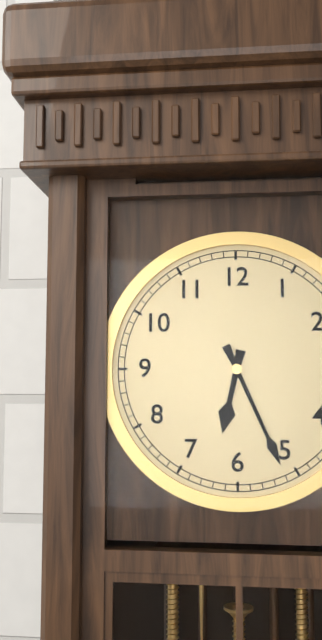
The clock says {"hour": 6, "minute": 26}
